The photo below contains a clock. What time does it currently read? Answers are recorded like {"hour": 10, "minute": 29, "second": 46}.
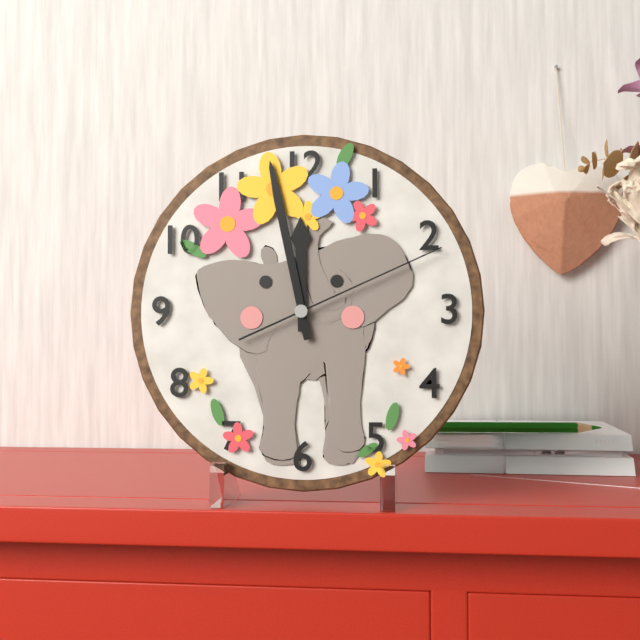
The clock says {"hour": 11, "minute": 58, "second": 11}
